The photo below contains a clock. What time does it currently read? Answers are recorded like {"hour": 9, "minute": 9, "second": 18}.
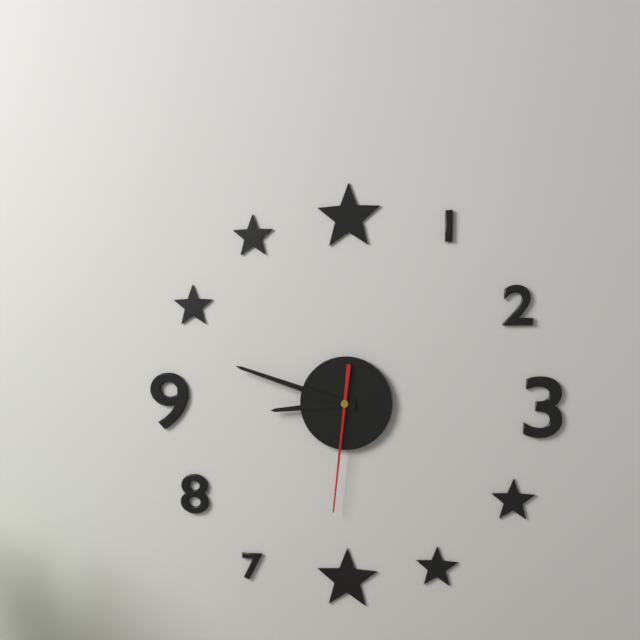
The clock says {"hour": 8, "minute": 48, "second": 31}
